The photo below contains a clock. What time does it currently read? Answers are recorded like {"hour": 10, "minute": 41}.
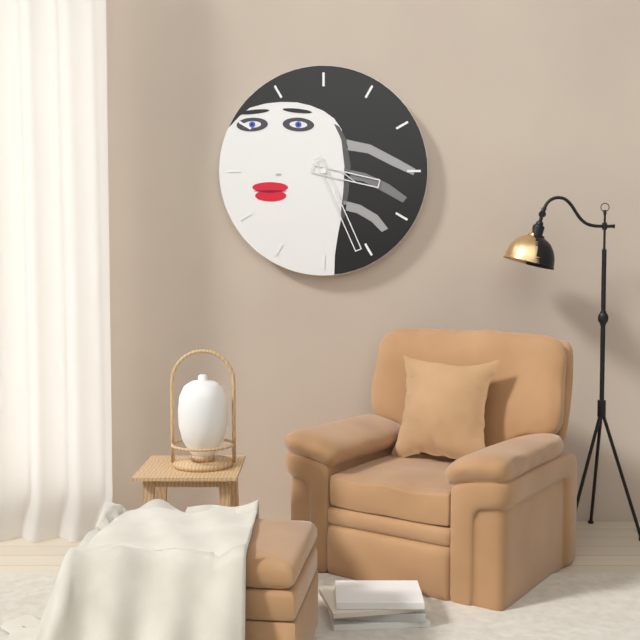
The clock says {"hour": 3, "minute": 26}
